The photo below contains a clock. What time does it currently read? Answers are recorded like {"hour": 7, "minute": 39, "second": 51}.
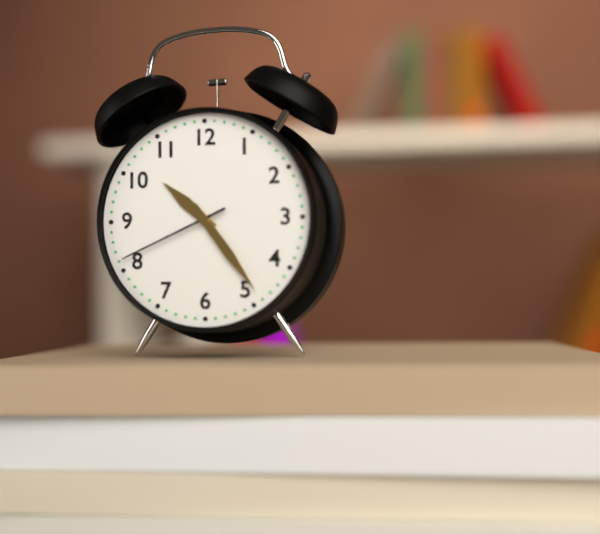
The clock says {"hour": 10, "minute": 24, "second": 41}
